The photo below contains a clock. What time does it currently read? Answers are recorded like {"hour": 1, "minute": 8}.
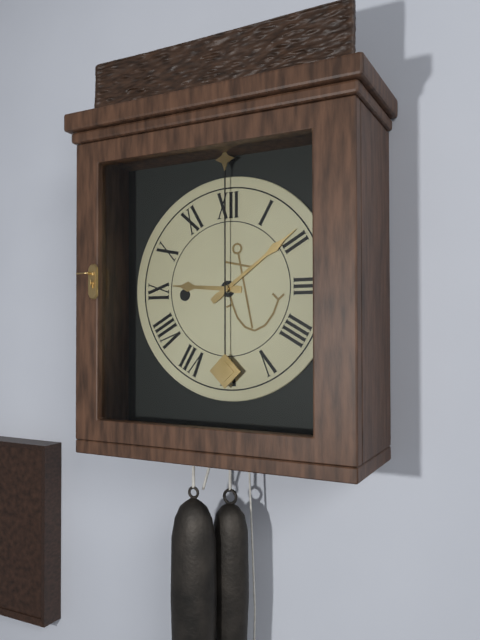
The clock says {"hour": 9, "minute": 9}
